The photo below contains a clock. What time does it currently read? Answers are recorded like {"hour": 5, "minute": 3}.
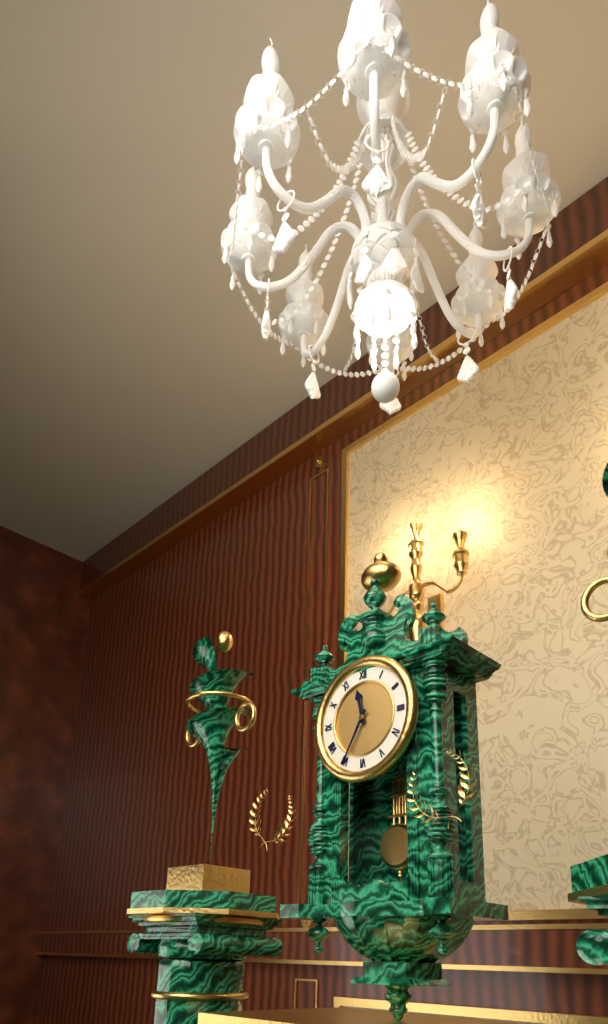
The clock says {"hour": 11, "minute": 35}
